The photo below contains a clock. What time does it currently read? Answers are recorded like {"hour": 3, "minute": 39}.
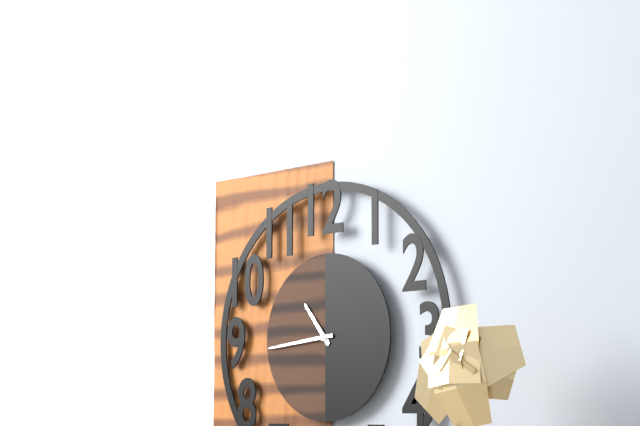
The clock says {"hour": 10, "minute": 44}
